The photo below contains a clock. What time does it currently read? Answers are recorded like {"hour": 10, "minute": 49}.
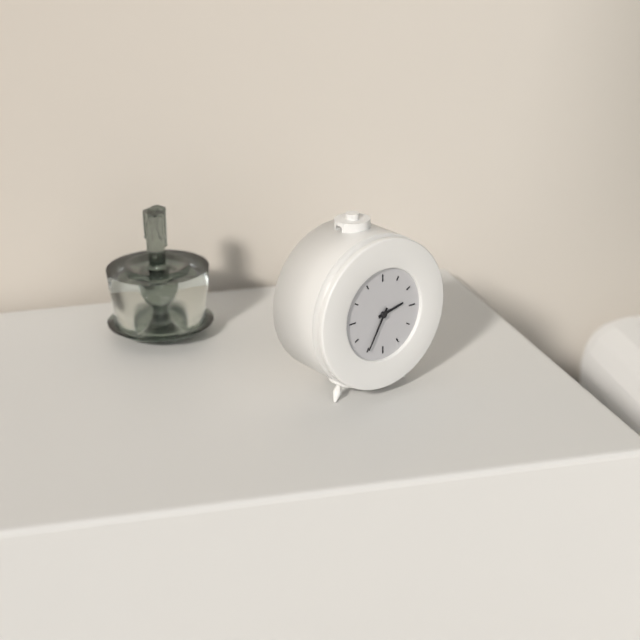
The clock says {"hour": 2, "minute": 35}
